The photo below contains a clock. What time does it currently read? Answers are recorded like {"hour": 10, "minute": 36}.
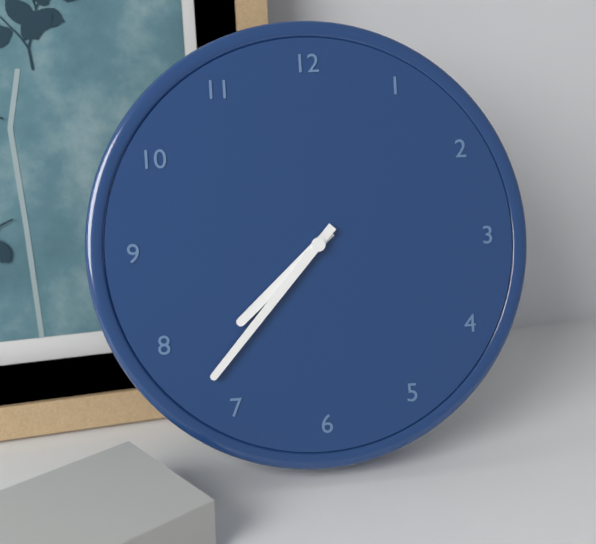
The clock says {"hour": 7, "minute": 37}
